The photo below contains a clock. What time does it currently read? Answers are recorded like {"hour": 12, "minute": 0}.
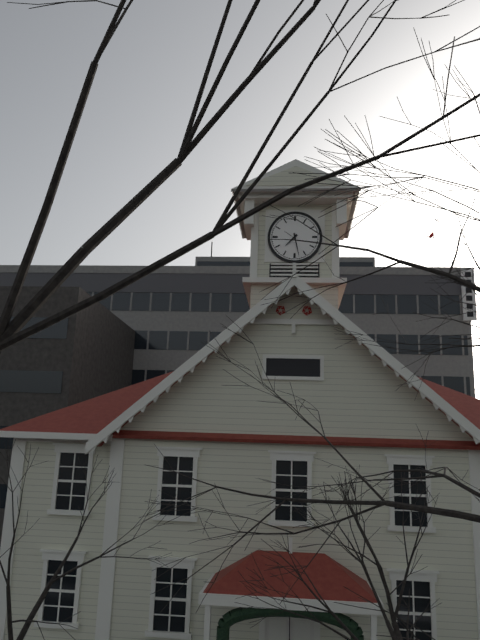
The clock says {"hour": 7, "minute": 28}
